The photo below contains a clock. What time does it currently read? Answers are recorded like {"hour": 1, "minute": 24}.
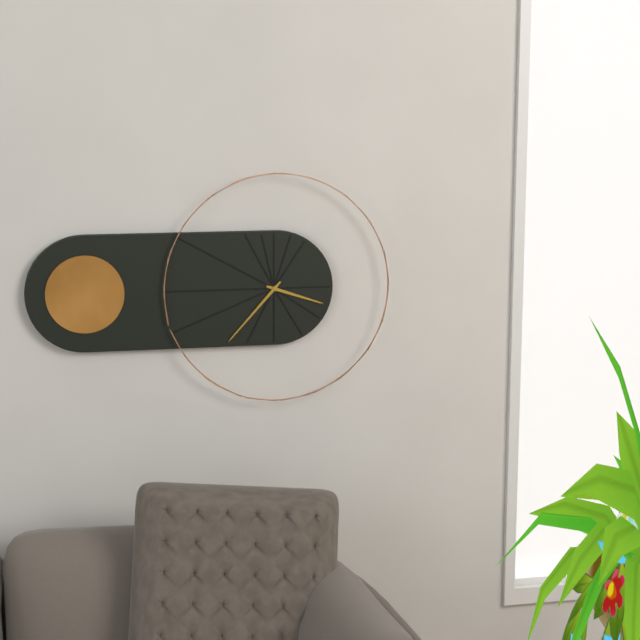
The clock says {"hour": 3, "minute": 37}
